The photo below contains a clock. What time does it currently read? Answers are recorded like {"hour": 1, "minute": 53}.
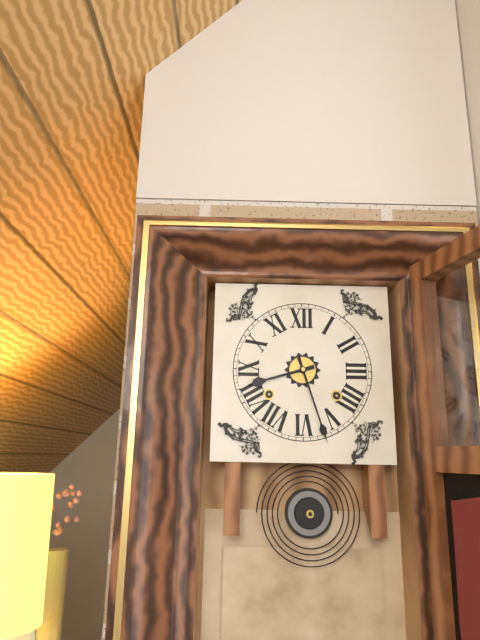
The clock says {"hour": 8, "minute": 27}
